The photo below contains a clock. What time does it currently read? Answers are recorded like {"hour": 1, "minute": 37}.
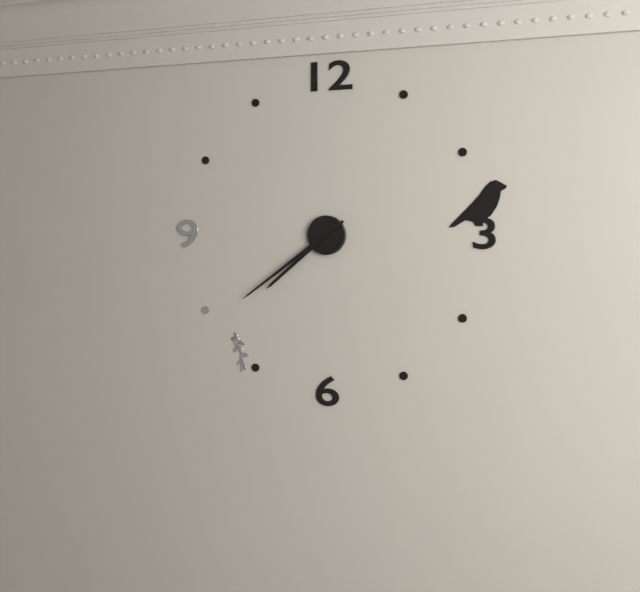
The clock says {"hour": 7, "minute": 39}
